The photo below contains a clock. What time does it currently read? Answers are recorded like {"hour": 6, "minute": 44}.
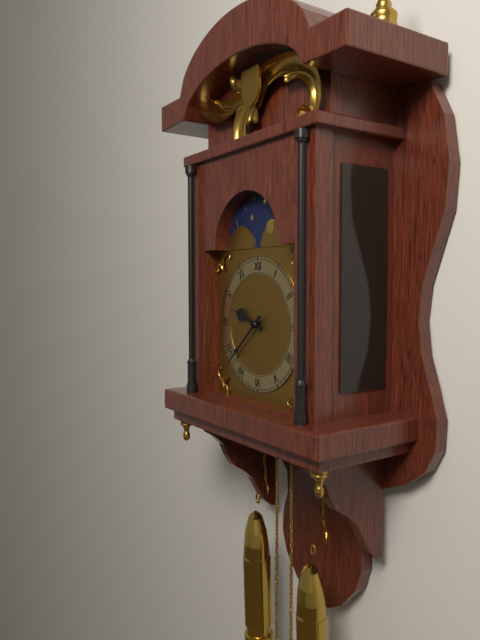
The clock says {"hour": 9, "minute": 38}
